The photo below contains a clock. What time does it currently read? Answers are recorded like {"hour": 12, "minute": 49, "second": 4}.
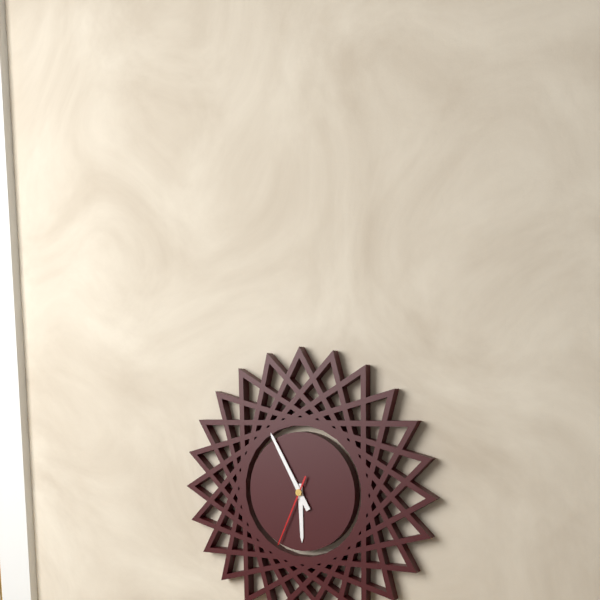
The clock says {"hour": 5, "minute": 55, "second": 34}
